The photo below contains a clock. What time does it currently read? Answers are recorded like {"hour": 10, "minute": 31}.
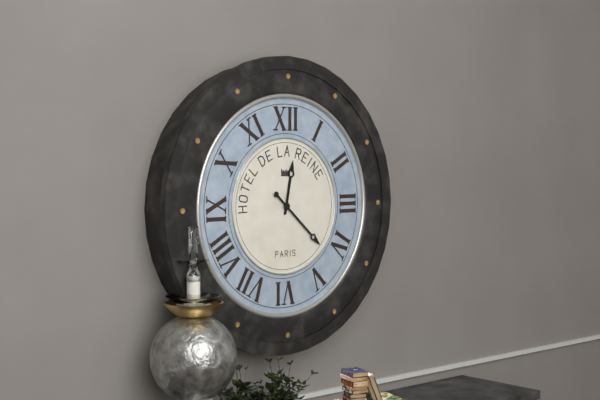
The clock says {"hour": 12, "minute": 22}
